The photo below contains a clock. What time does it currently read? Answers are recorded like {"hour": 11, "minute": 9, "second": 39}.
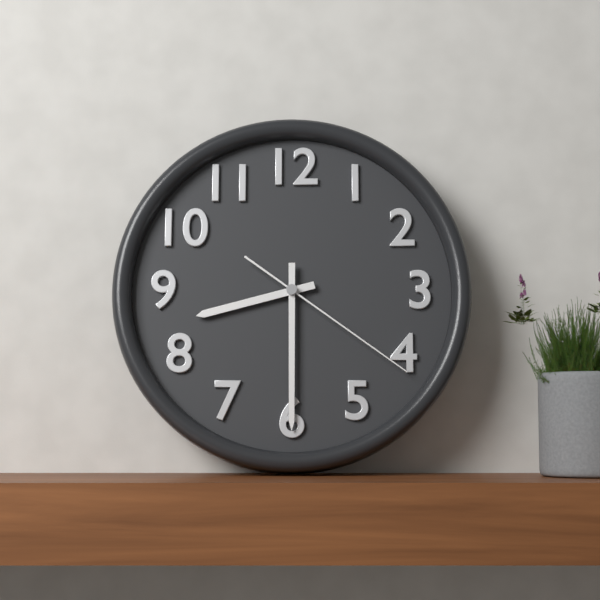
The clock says {"hour": 8, "minute": 30, "second": 21}
